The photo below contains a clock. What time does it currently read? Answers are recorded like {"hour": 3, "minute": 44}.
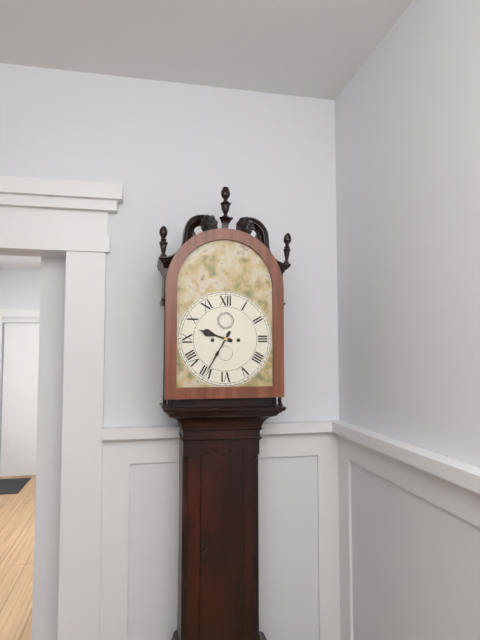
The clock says {"hour": 9, "minute": 35}
